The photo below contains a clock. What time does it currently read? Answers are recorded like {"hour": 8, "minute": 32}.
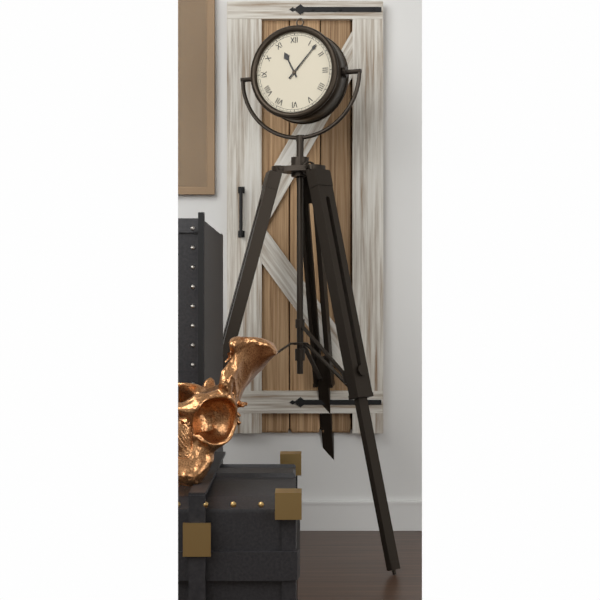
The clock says {"hour": 11, "minute": 7}
